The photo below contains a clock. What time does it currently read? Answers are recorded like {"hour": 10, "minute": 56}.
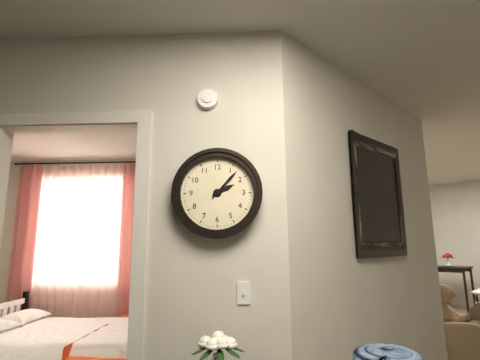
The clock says {"hour": 2, "minute": 7}
